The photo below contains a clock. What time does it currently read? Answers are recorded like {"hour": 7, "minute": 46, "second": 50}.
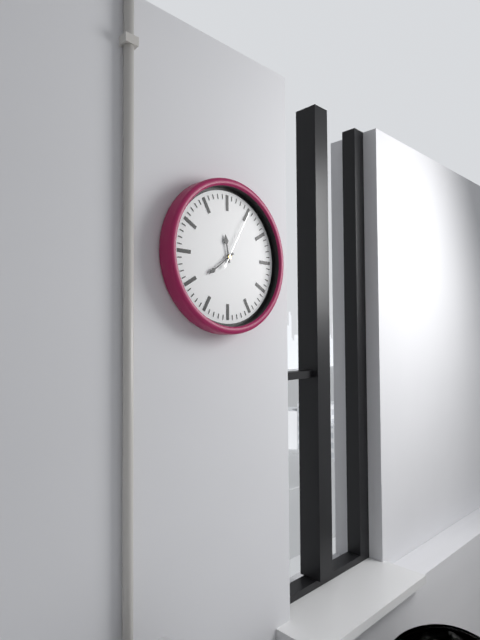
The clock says {"hour": 11, "minute": 39, "second": 5}
